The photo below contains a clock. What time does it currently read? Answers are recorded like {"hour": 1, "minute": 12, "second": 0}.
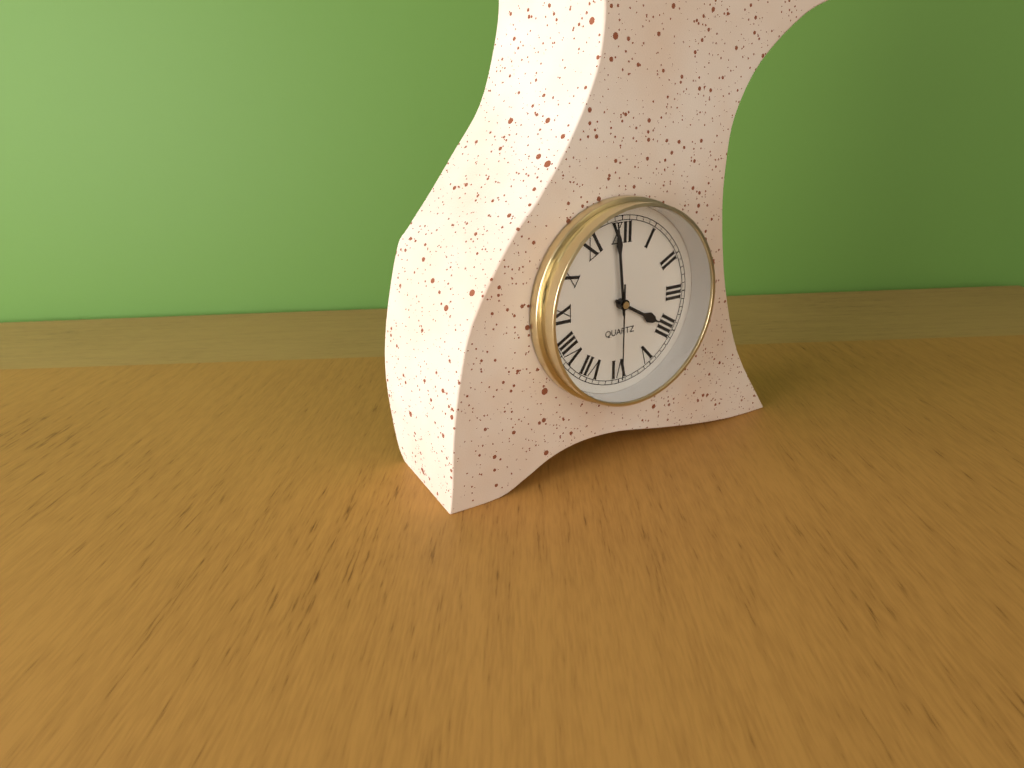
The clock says {"hour": 3, "minute": 59, "second": 30}
